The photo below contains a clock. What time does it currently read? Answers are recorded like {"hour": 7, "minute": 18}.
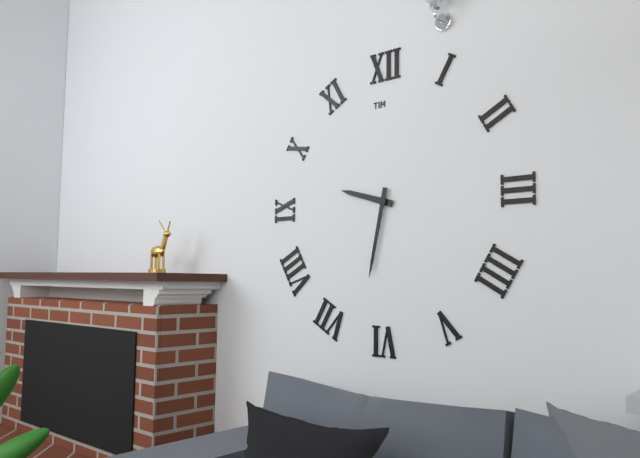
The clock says {"hour": 9, "minute": 32}
